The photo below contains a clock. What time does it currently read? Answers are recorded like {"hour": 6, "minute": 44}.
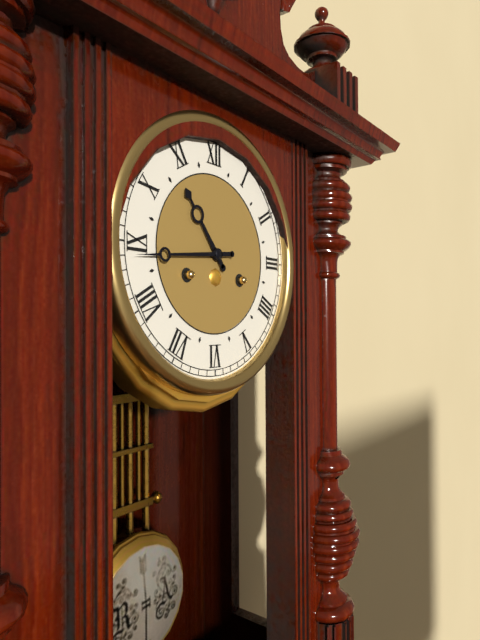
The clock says {"hour": 10, "minute": 44}
